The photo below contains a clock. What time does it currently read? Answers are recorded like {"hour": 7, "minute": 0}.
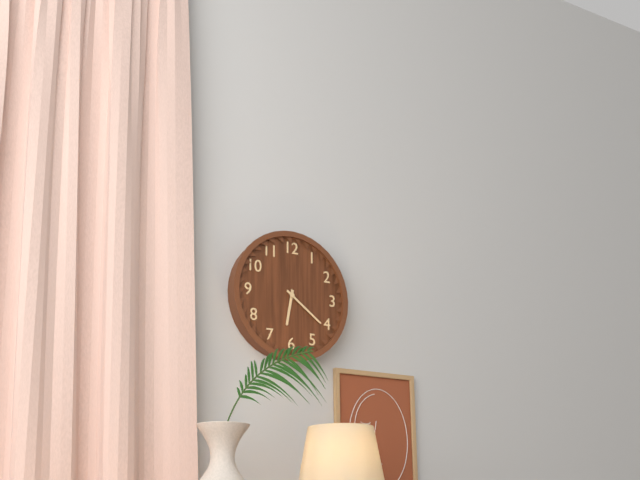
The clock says {"hour": 6, "minute": 21}
